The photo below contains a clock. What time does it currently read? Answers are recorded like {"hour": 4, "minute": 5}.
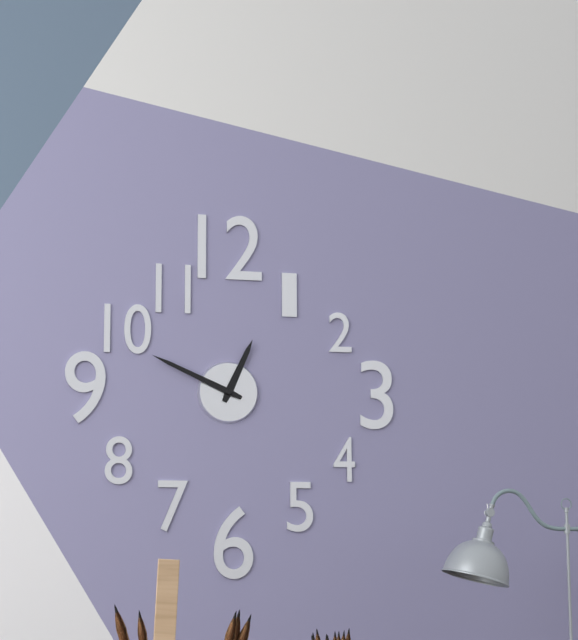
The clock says {"hour": 12, "minute": 49}
